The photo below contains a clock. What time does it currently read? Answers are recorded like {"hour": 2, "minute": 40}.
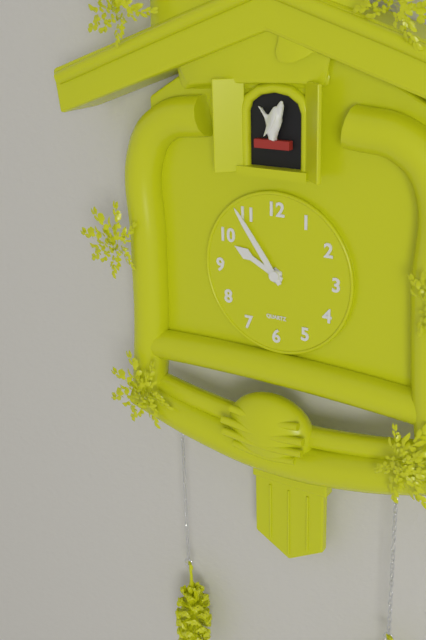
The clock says {"hour": 9, "minute": 54}
